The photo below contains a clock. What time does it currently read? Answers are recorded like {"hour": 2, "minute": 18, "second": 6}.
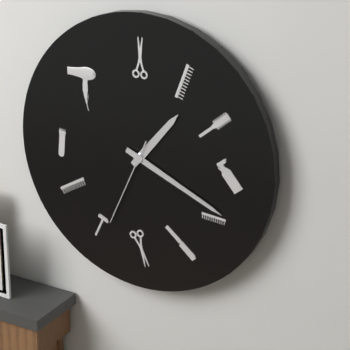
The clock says {"hour": 1, "minute": 19, "second": 34}
